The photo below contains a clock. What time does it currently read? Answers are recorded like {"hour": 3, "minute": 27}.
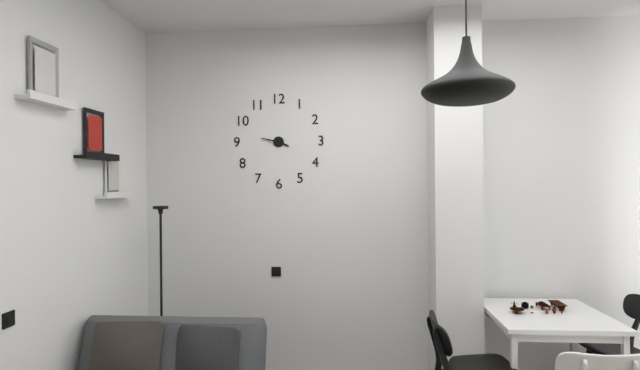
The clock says {"hour": 3, "minute": 47}
